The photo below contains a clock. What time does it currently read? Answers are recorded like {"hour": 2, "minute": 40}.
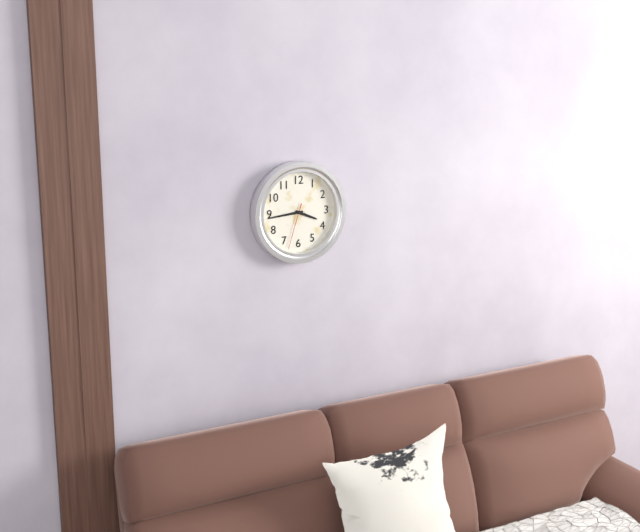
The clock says {"hour": 3, "minute": 44}
